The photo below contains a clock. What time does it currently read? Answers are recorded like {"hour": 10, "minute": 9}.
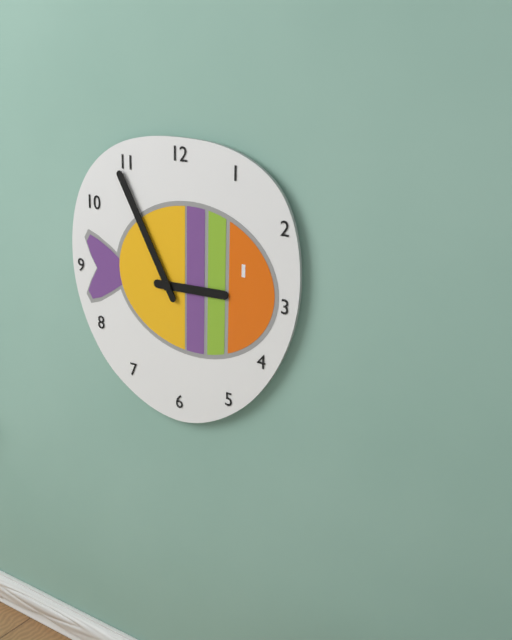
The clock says {"hour": 2, "minute": 55}
